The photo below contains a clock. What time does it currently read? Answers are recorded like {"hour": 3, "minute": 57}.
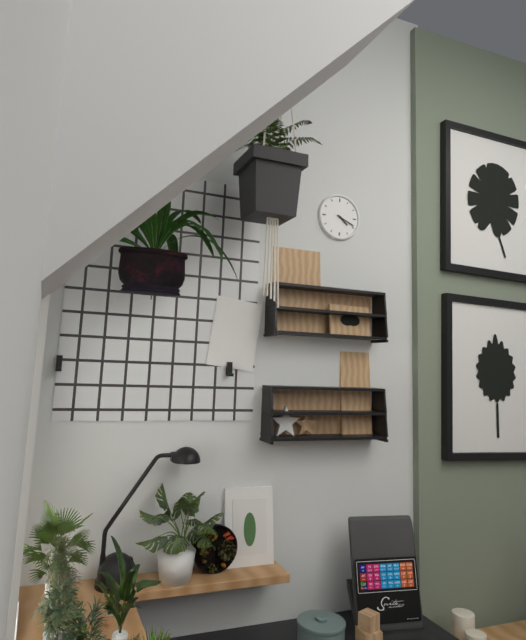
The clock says {"hour": 4, "minute": 19}
